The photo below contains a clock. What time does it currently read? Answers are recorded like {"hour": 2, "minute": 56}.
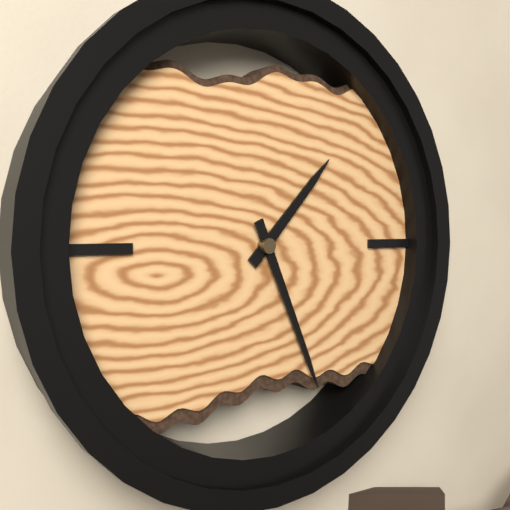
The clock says {"hour": 1, "minute": 26}
